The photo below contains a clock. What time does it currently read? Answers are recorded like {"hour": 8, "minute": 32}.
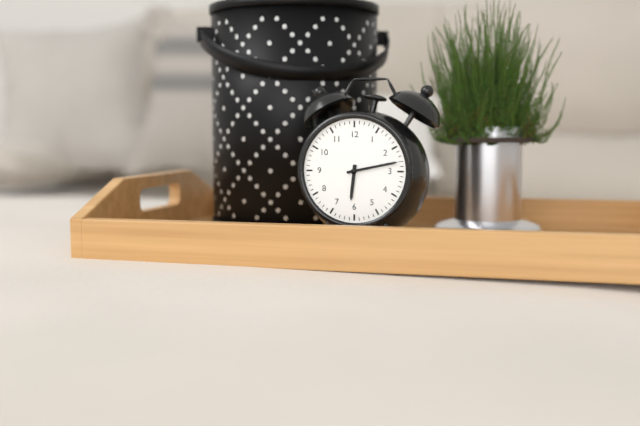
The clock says {"hour": 6, "minute": 13}
